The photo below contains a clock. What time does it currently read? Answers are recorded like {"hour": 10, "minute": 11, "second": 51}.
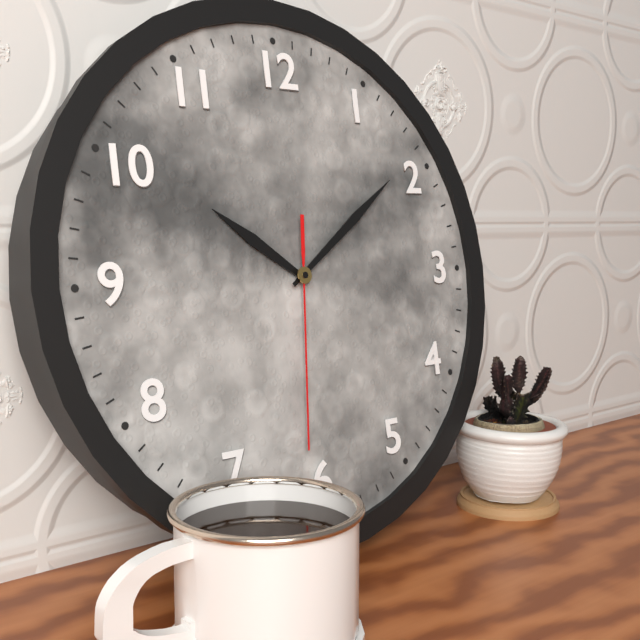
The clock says {"hour": 10, "minute": 9, "second": 31}
